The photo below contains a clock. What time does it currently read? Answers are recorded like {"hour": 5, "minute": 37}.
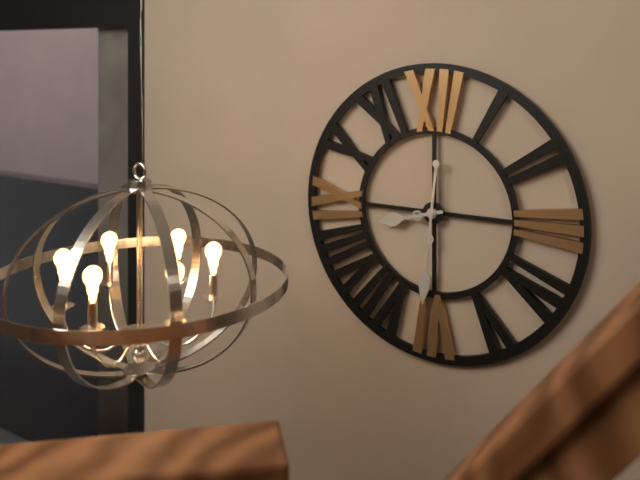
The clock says {"hour": 8, "minute": 31}
